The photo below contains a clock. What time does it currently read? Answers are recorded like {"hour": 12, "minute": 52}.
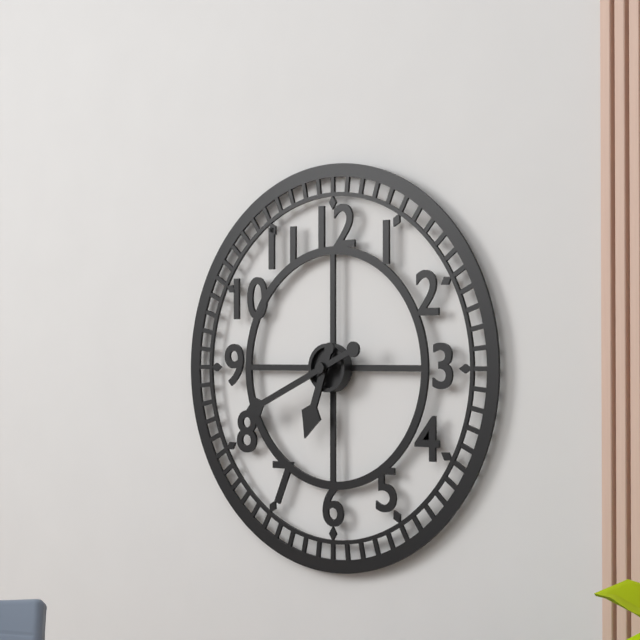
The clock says {"hour": 6, "minute": 41}
